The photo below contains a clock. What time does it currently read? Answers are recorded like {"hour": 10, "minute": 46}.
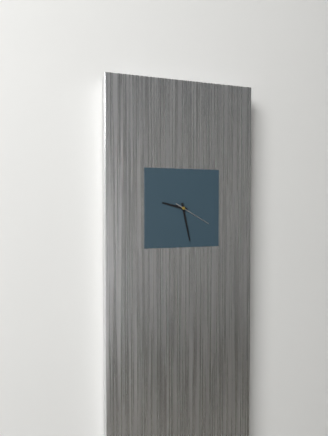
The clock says {"hour": 9, "minute": 28}
